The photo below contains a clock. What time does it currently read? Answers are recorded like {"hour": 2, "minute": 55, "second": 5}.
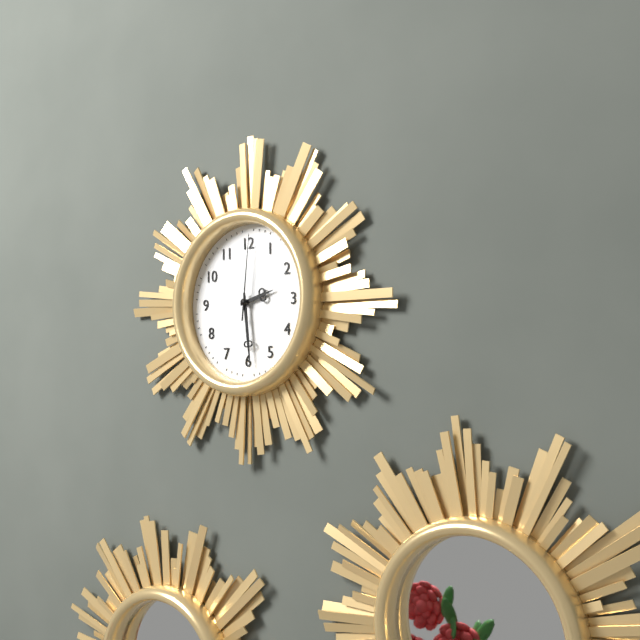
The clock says {"hour": 2, "minute": 29, "second": 1}
